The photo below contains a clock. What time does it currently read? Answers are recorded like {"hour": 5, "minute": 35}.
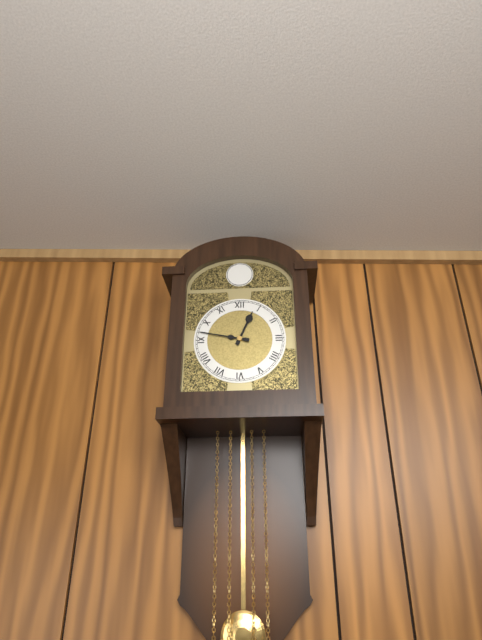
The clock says {"hour": 12, "minute": 47}
